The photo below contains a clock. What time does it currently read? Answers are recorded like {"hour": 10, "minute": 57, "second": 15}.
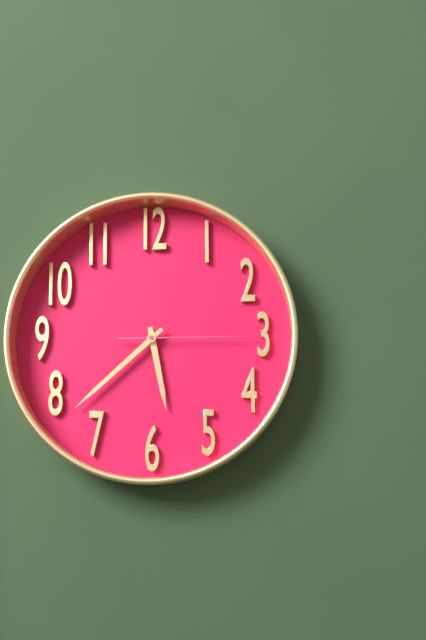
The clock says {"hour": 5, "minute": 38, "second": 15}
